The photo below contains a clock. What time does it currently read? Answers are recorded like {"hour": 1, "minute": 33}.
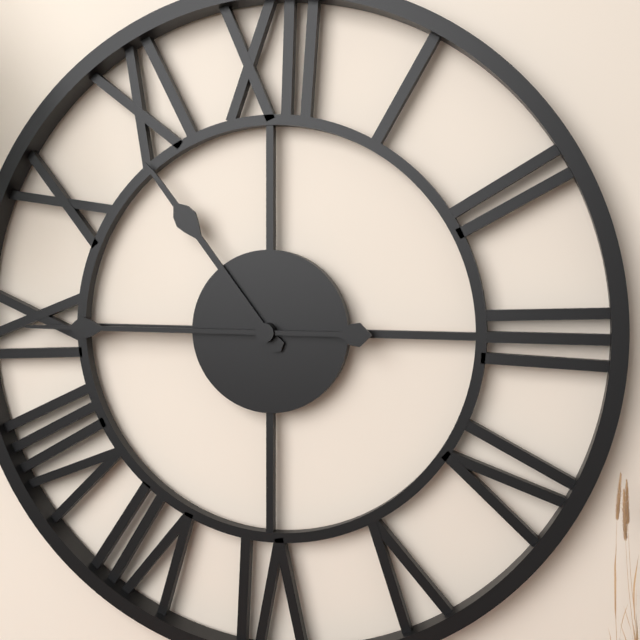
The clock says {"hour": 10, "minute": 45}
